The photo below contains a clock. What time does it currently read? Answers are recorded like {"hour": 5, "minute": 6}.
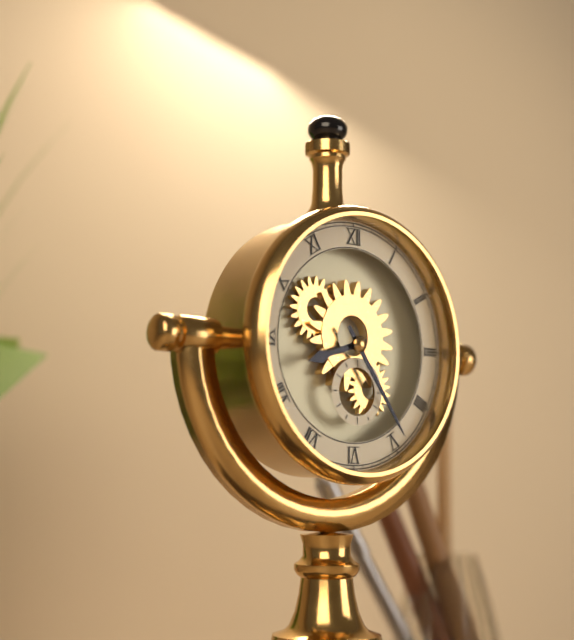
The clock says {"hour": 8, "minute": 24}
